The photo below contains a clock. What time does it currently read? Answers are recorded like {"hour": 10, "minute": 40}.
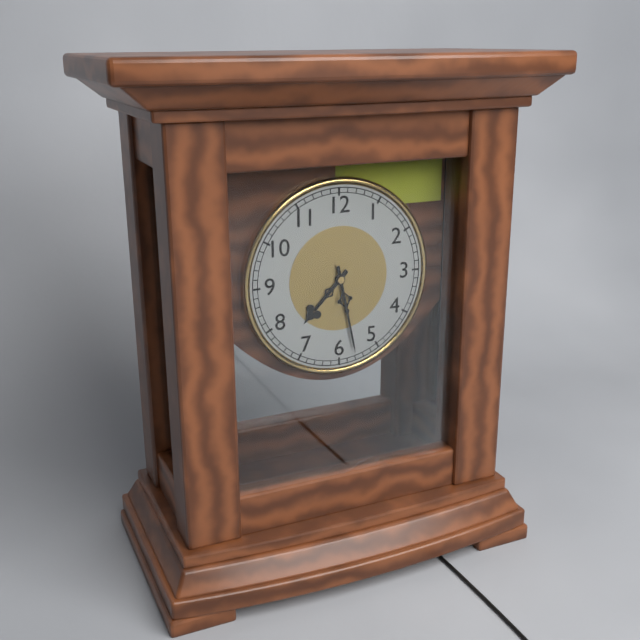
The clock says {"hour": 7, "minute": 28}
